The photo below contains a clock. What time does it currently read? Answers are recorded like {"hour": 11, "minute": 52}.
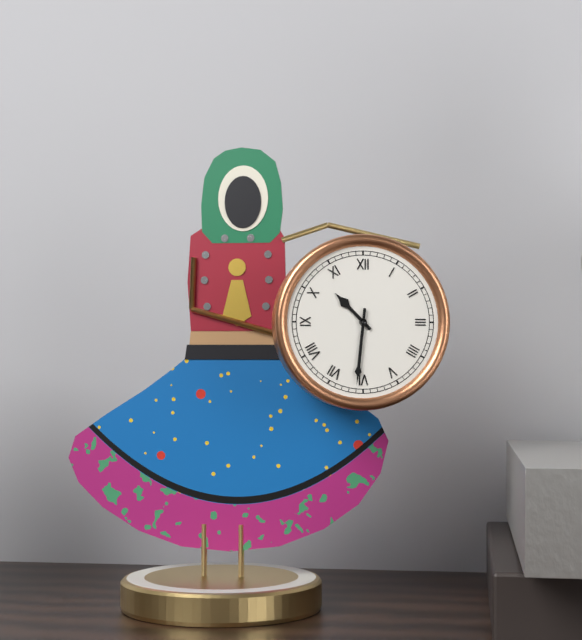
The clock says {"hour": 10, "minute": 31}
